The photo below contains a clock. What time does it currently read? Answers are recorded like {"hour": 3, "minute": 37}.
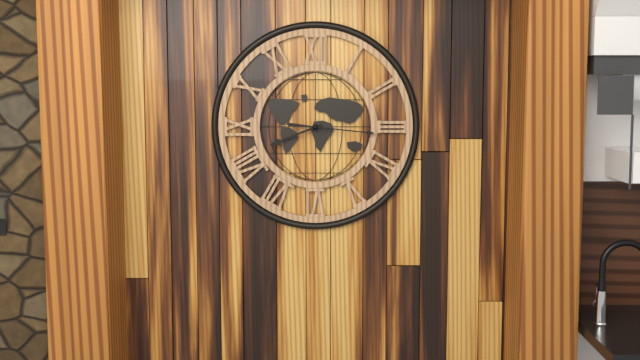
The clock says {"hour": 8, "minute": 16}
